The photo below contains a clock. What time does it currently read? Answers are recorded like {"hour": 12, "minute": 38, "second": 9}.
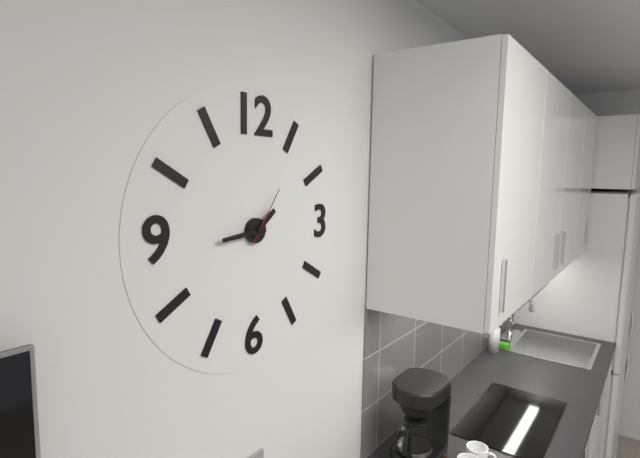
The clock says {"hour": 1, "minute": 44, "second": 6}
